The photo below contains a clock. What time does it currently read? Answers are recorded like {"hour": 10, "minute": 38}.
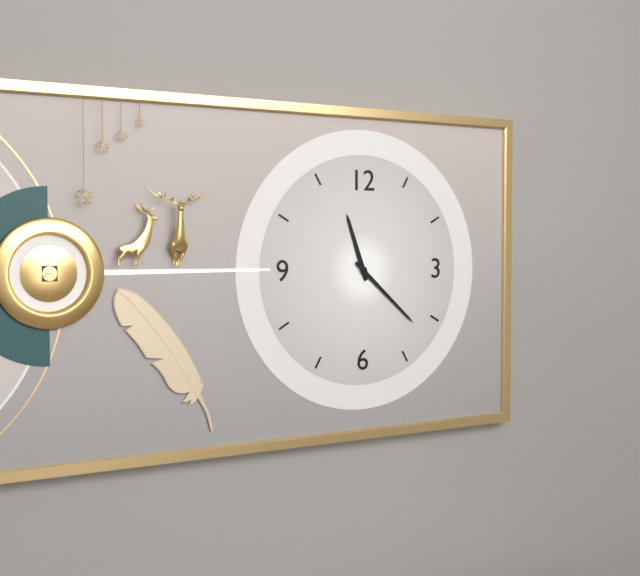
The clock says {"hour": 11, "minute": 22}
